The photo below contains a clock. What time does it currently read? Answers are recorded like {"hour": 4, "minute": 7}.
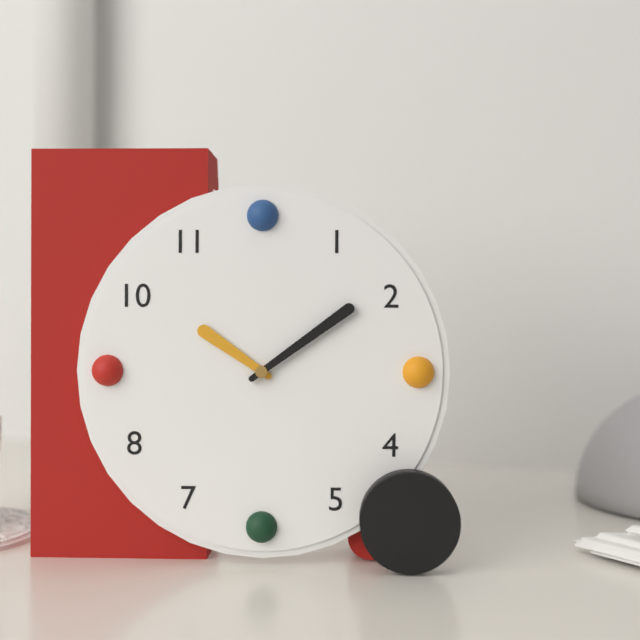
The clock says {"hour": 10, "minute": 9}
